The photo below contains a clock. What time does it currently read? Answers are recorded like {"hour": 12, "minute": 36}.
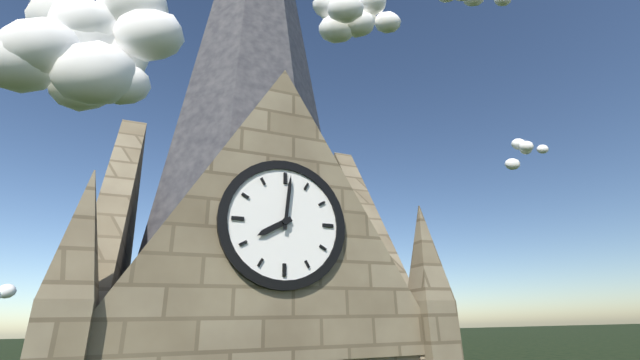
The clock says {"hour": 8, "minute": 1}
